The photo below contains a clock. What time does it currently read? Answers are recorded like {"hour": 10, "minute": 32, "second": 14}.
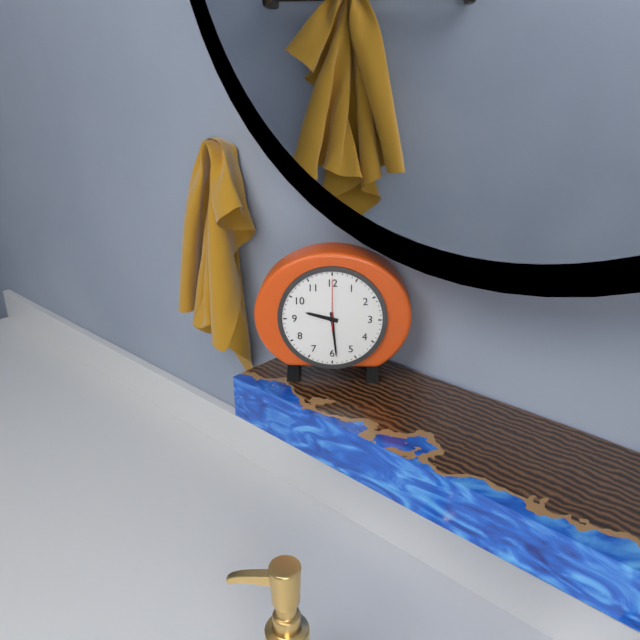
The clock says {"hour": 9, "minute": 29, "second": 0}
